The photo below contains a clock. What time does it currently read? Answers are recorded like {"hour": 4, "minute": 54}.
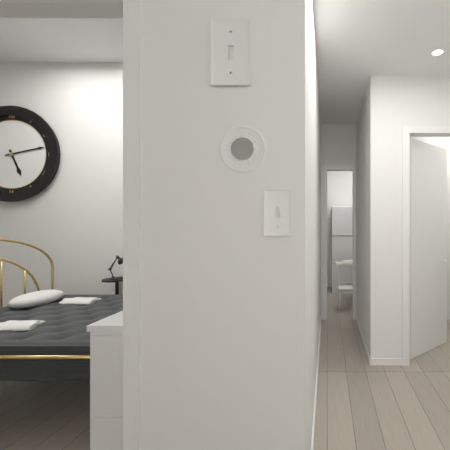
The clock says {"hour": 5, "minute": 13}
